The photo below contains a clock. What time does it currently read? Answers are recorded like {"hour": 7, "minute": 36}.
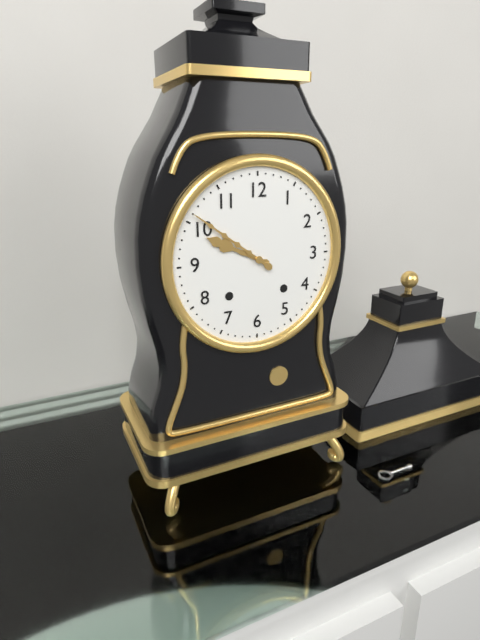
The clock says {"hour": 9, "minute": 51}
